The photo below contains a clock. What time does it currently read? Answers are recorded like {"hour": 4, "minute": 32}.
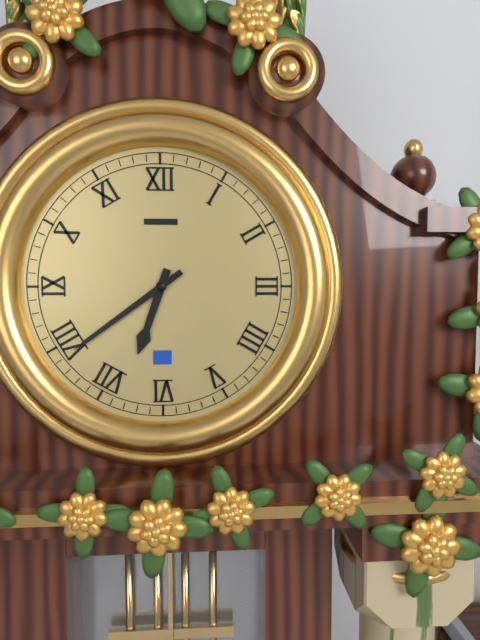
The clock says {"hour": 6, "minute": 39}
